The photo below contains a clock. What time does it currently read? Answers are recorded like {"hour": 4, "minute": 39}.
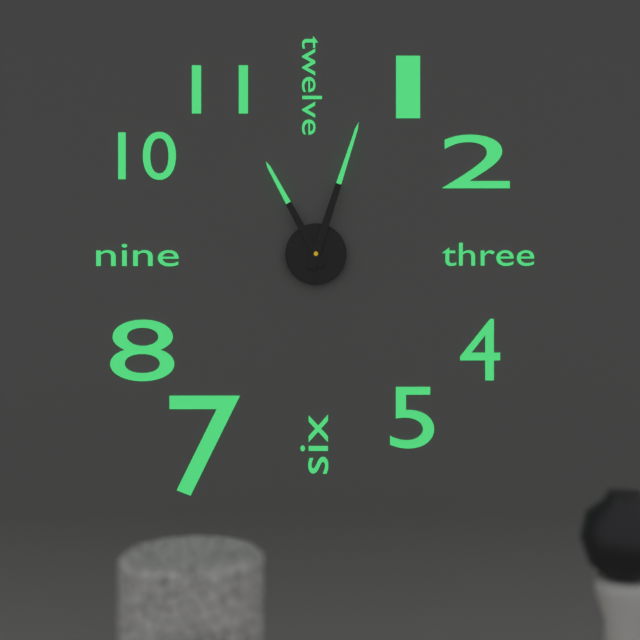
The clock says {"hour": 11, "minute": 3}
